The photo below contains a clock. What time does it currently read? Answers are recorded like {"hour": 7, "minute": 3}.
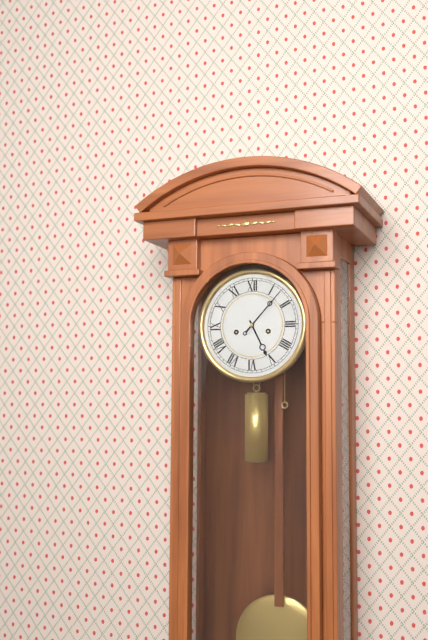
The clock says {"hour": 5, "minute": 7}
